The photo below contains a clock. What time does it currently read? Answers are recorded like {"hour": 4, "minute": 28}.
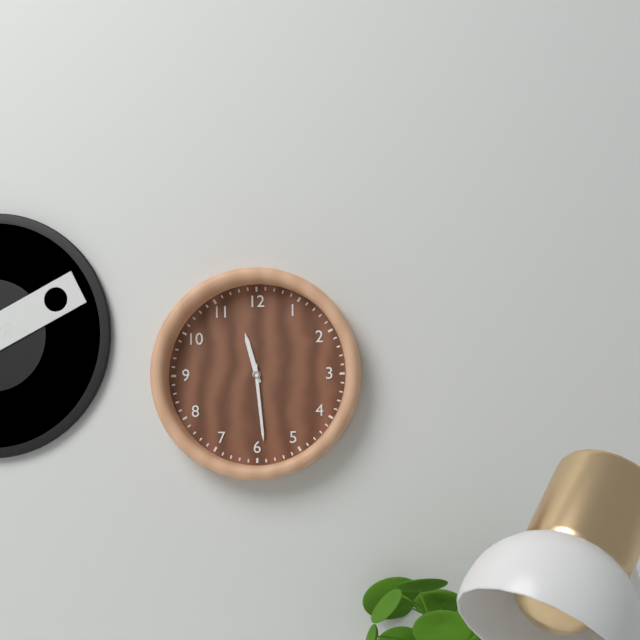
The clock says {"hour": 11, "minute": 29}
